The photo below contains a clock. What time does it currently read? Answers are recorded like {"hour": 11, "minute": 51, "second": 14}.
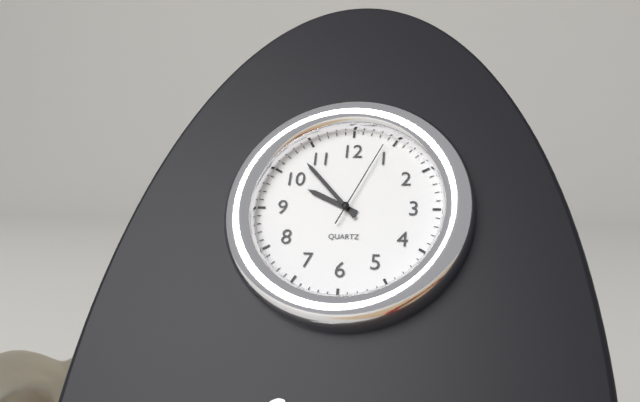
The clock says {"hour": 9, "minute": 53, "second": 4}
